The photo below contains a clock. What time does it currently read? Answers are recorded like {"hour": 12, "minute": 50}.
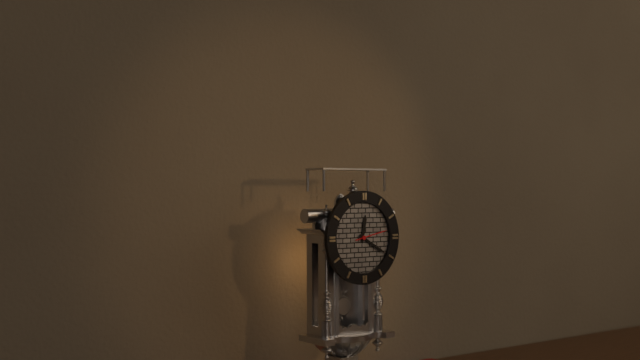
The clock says {"hour": 12, "minute": 20}
